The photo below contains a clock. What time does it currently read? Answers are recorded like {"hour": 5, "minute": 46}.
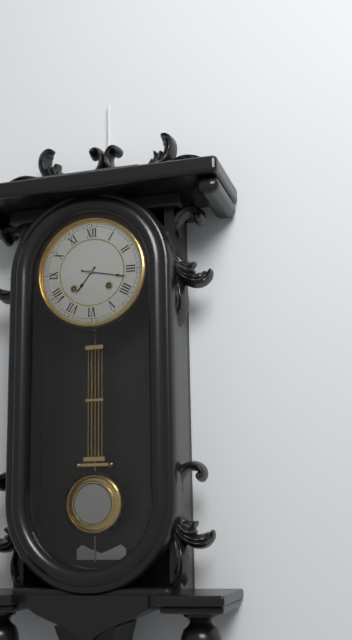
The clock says {"hour": 7, "minute": 17}
